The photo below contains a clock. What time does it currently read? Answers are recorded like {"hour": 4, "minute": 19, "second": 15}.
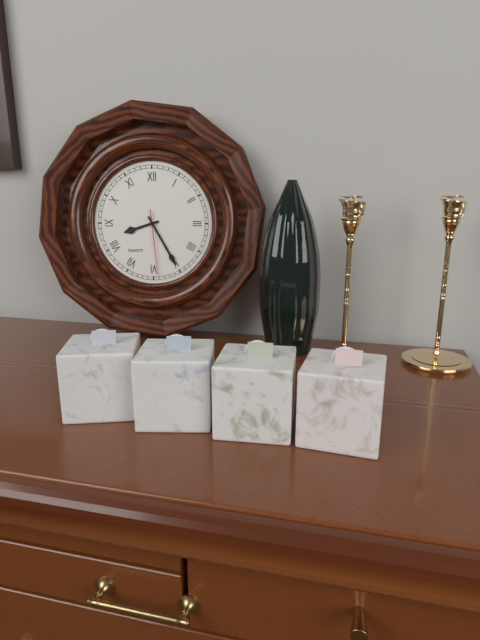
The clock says {"hour": 8, "minute": 25, "second": 29}
